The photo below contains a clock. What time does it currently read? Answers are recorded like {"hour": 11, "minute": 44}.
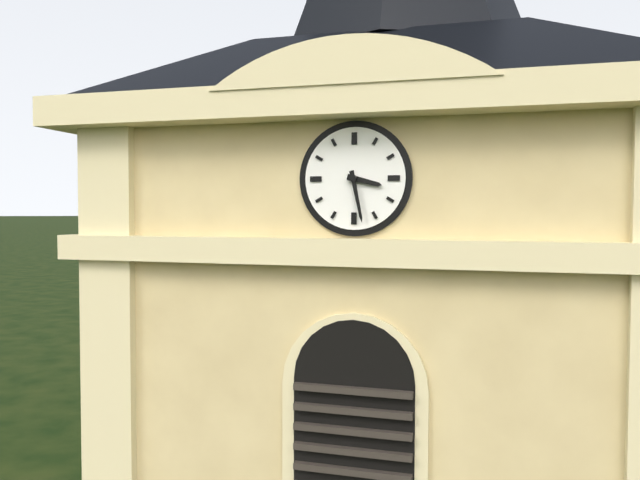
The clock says {"hour": 3, "minute": 28}
